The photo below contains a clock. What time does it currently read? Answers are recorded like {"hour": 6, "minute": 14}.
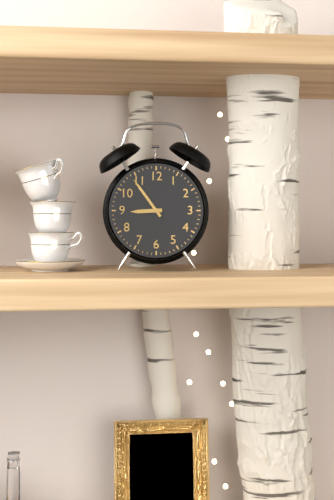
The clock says {"hour": 8, "minute": 54}
